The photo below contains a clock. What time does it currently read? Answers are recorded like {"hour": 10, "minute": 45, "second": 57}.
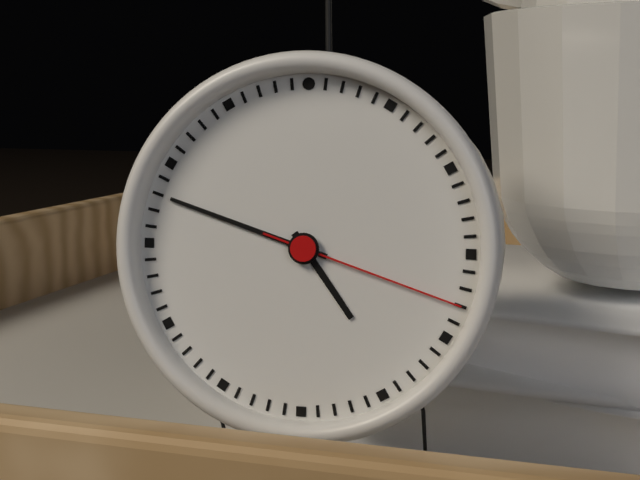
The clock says {"hour": 4, "minute": 48, "second": 18}
